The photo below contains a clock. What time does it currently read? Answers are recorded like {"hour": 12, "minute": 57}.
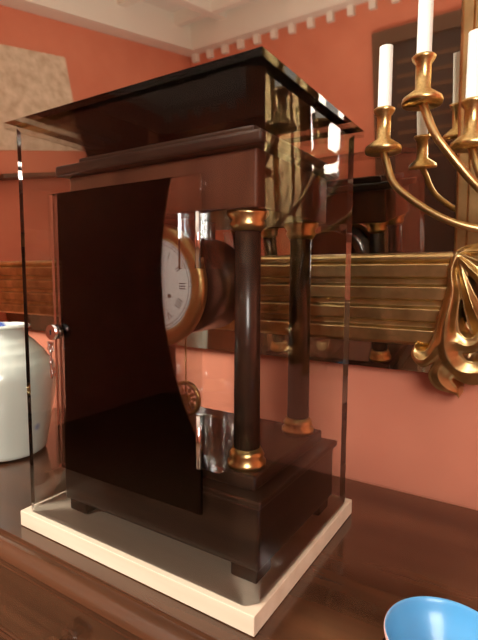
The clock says {"hour": 6, "minute": 29}
